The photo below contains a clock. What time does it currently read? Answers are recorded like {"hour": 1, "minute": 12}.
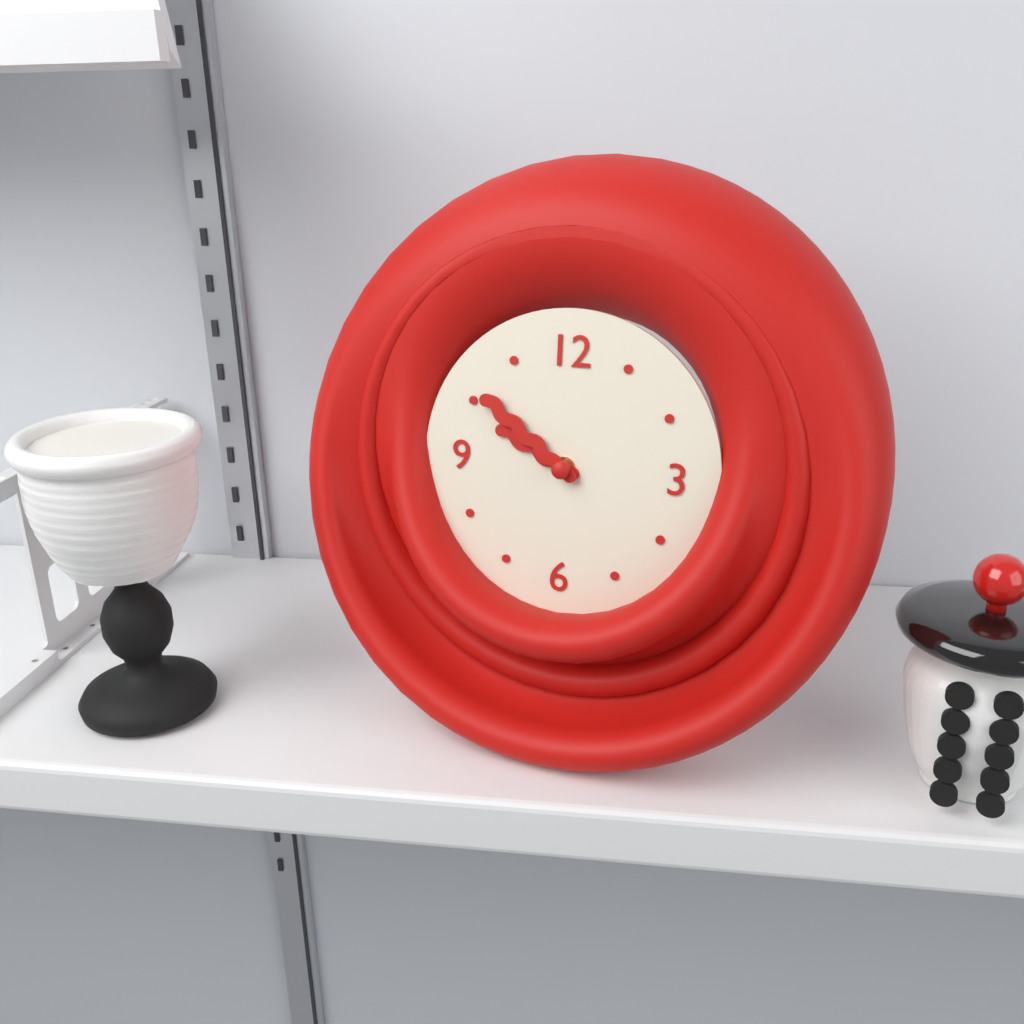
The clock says {"hour": 9, "minute": 51}
